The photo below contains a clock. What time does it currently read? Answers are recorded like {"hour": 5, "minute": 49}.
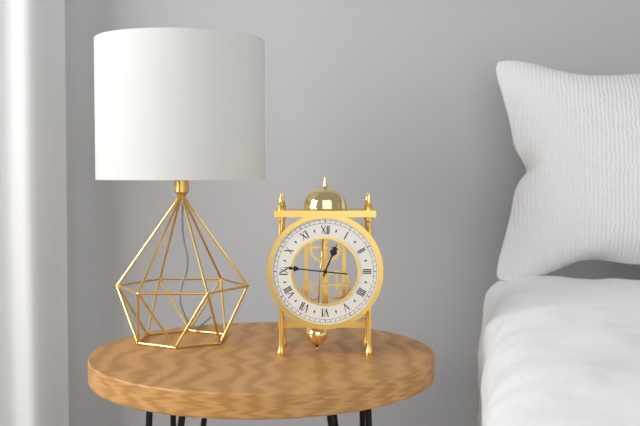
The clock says {"hour": 12, "minute": 46}
